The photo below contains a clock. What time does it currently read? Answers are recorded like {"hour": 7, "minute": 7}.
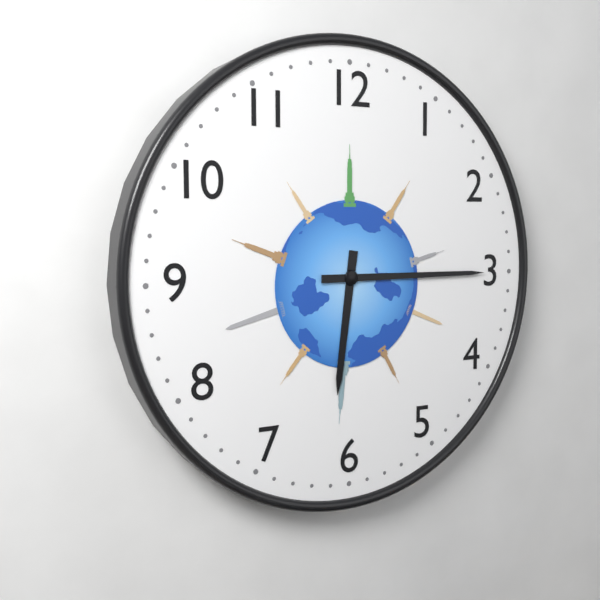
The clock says {"hour": 6, "minute": 15}
